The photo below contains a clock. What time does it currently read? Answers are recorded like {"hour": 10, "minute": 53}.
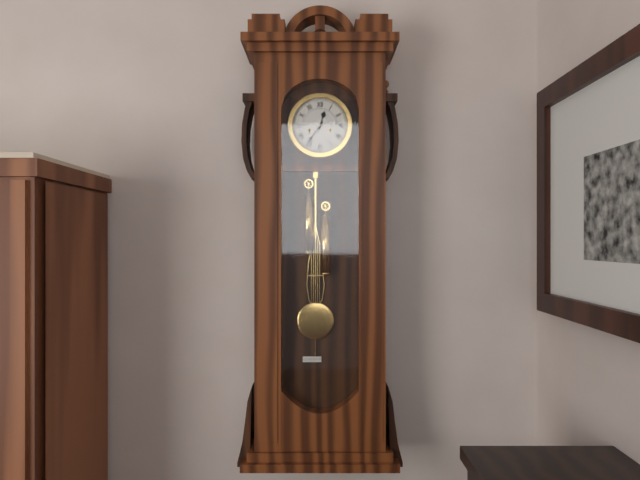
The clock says {"hour": 12, "minute": 36}
